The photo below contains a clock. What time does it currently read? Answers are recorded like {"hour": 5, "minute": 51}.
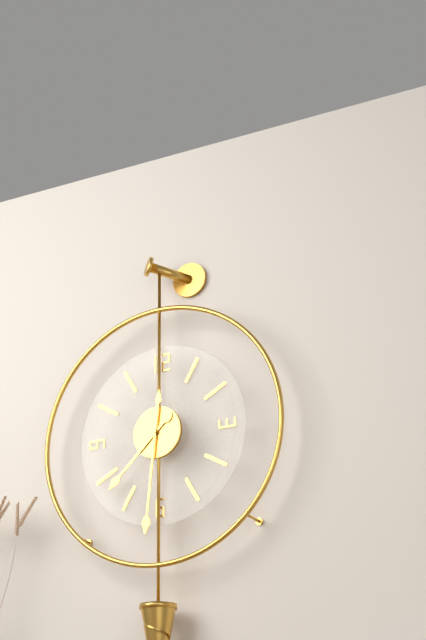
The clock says {"hour": 7, "minute": 31}
